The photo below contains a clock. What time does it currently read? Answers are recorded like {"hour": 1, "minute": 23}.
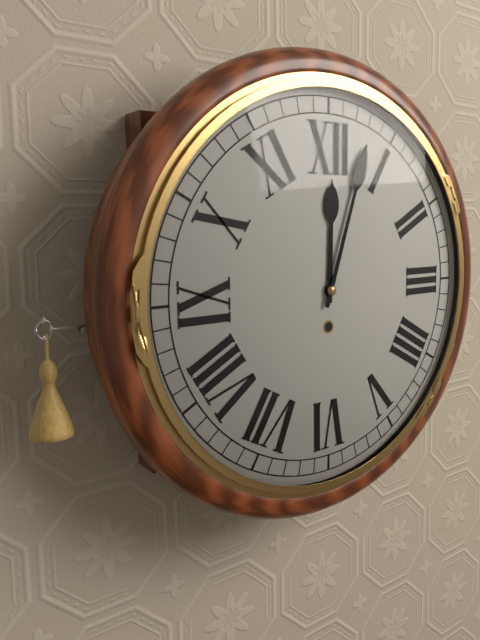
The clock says {"hour": 12, "minute": 3}
